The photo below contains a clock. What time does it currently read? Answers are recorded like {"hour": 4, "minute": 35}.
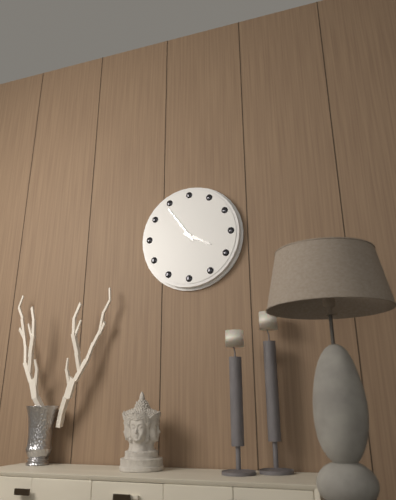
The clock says {"hour": 3, "minute": 54}
